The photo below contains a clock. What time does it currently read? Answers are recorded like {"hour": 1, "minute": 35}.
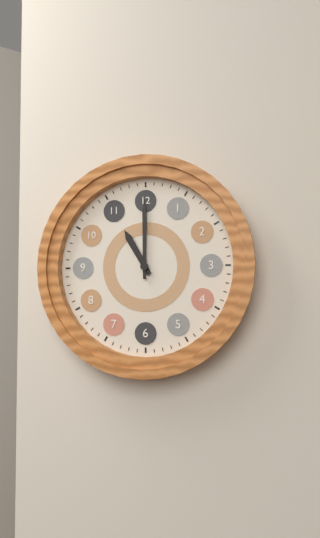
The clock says {"hour": 11, "minute": 0}
